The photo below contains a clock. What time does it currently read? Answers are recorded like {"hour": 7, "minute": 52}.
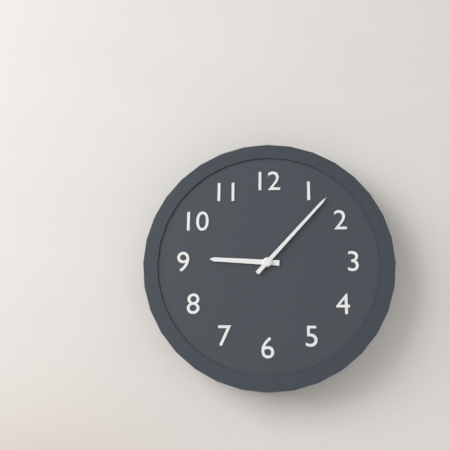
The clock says {"hour": 9, "minute": 7}
